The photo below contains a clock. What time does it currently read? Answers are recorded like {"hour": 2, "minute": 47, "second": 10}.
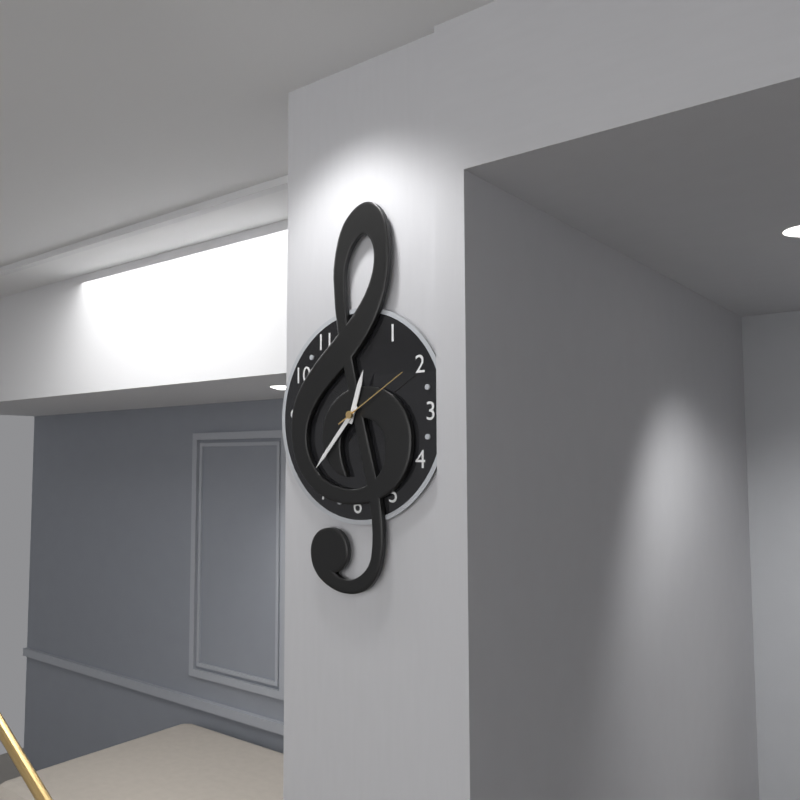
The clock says {"hour": 12, "minute": 37, "second": 10}
